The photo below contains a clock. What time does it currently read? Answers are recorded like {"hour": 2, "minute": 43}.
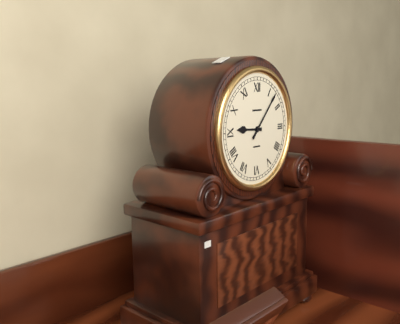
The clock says {"hour": 9, "minute": 7}
